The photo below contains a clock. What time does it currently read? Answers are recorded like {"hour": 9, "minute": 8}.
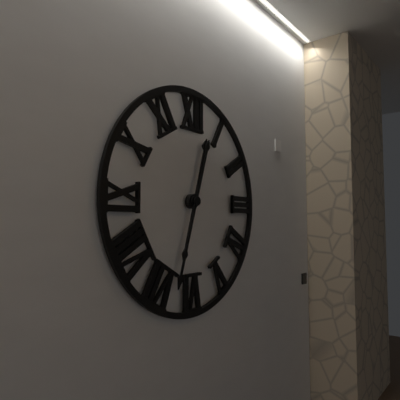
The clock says {"hour": 12, "minute": 33}
